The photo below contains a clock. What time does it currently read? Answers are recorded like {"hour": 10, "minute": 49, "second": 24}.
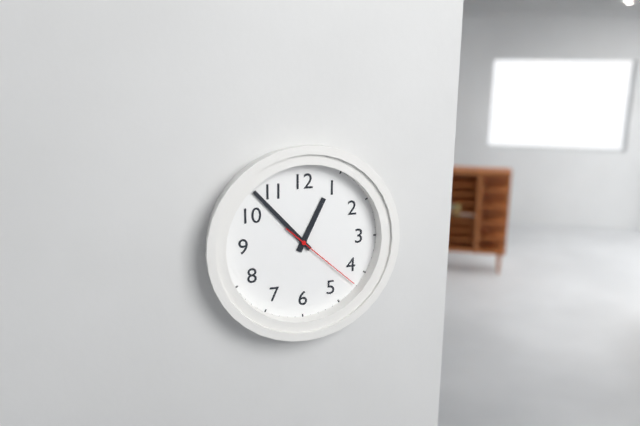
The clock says {"hour": 12, "minute": 53, "second": 22}
